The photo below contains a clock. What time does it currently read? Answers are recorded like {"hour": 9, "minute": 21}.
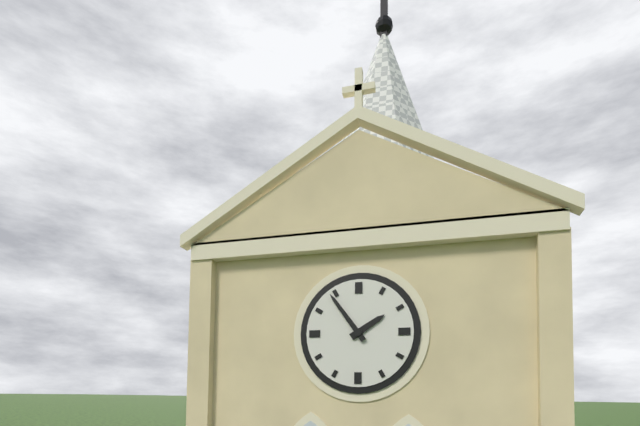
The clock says {"hour": 1, "minute": 54}
